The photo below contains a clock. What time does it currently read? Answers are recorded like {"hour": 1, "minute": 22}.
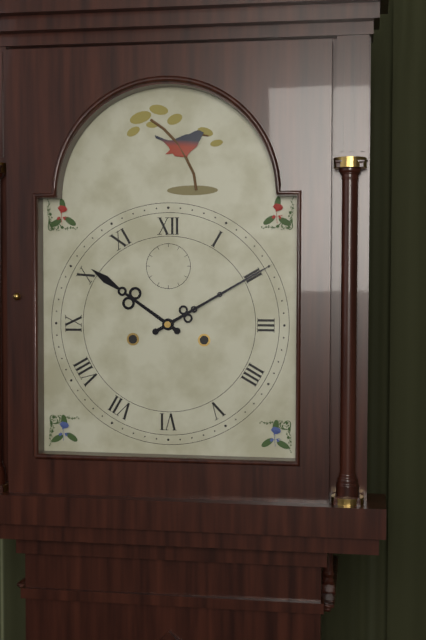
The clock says {"hour": 10, "minute": 10}
